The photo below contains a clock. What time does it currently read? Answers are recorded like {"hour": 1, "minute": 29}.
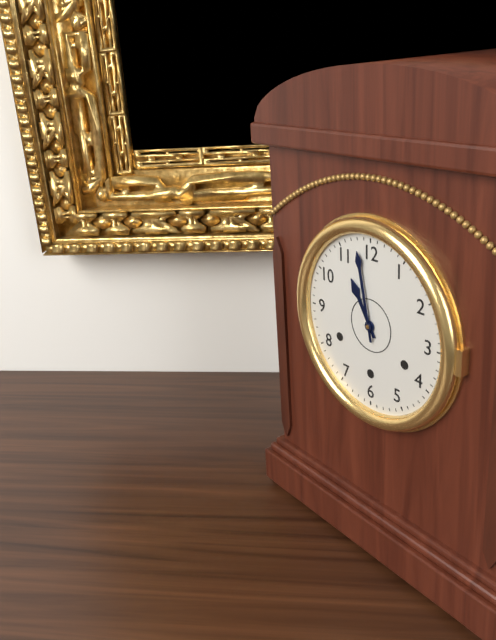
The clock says {"hour": 10, "minute": 58}
